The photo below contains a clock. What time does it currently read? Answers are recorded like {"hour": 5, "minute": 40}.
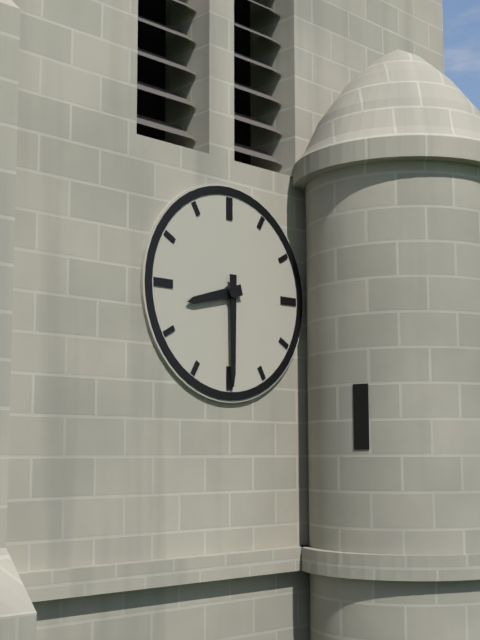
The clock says {"hour": 8, "minute": 30}
